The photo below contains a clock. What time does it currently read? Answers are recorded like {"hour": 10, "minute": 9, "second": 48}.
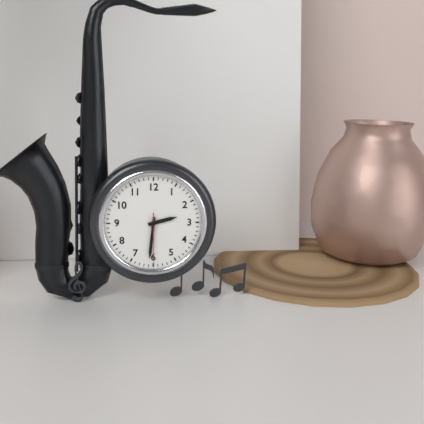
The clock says {"hour": 2, "minute": 31, "second": 30}
